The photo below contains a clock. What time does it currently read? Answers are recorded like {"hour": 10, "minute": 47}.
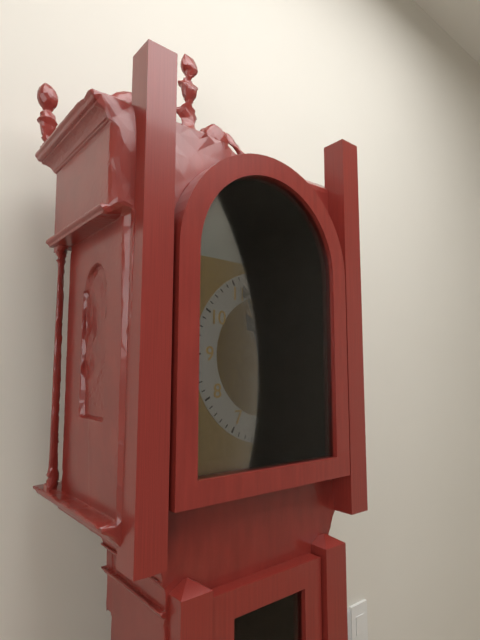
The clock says {"hour": 10, "minute": 56}
